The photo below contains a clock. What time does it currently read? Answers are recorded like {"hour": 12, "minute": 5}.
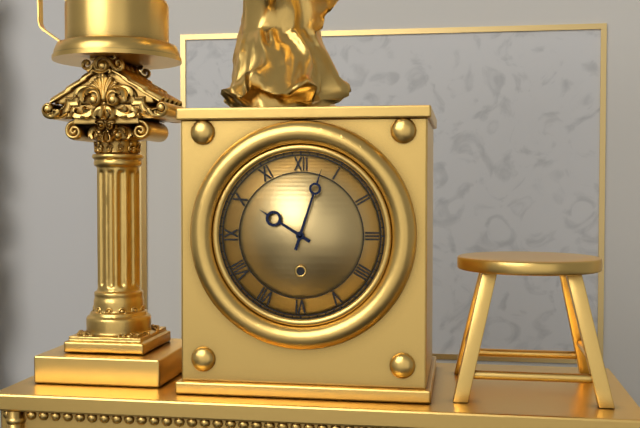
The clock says {"hour": 10, "minute": 3}
